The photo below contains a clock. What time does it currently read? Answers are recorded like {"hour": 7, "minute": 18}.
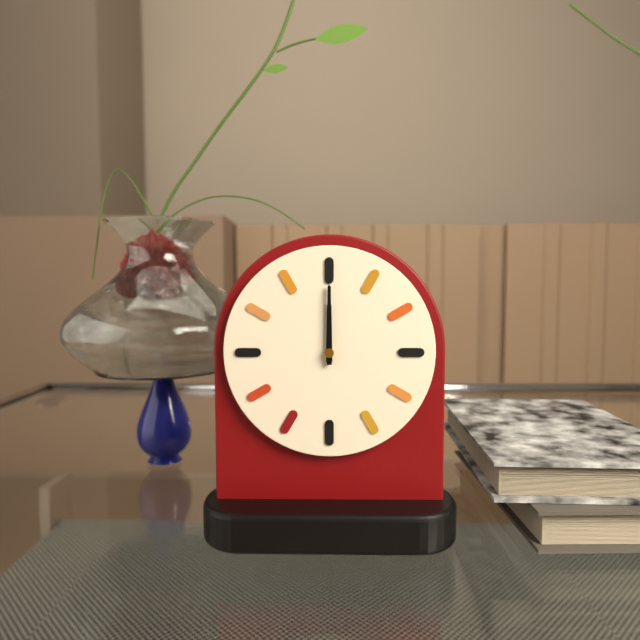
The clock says {"hour": 12, "minute": 0}
